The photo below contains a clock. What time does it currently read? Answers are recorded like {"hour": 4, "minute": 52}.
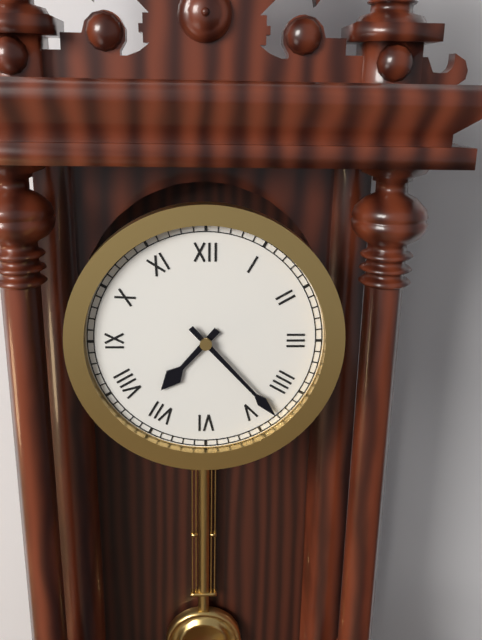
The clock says {"hour": 7, "minute": 23}
